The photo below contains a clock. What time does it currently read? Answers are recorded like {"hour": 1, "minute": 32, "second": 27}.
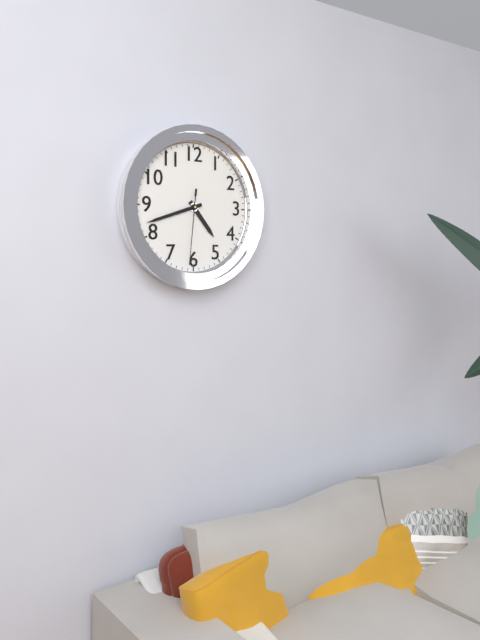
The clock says {"hour": 4, "minute": 42, "second": 31}
